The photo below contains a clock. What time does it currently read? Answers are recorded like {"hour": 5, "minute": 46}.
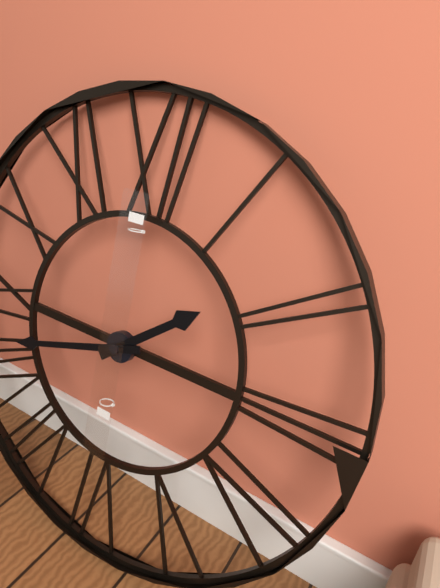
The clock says {"hour": 1, "minute": 42}
